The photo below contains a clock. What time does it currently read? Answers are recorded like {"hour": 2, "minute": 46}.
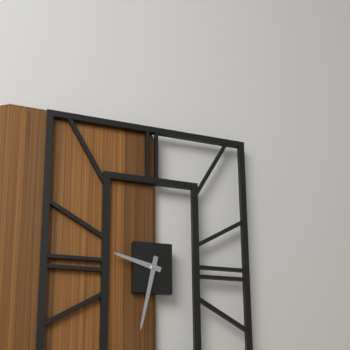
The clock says {"hour": 9, "minute": 32}
